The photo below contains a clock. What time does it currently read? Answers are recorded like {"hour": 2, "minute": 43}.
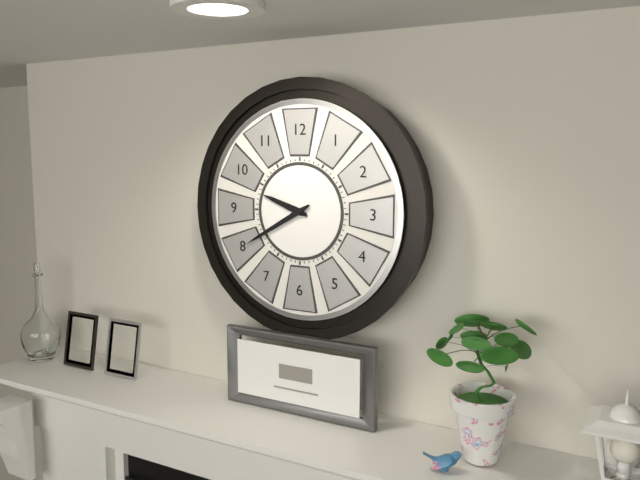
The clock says {"hour": 9, "minute": 40}
